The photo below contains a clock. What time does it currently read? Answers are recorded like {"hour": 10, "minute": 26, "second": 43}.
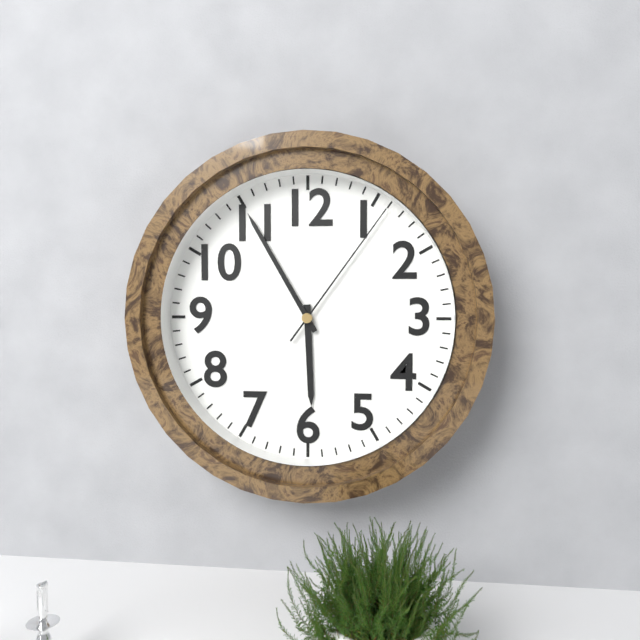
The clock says {"hour": 5, "minute": 55, "second": 6}
